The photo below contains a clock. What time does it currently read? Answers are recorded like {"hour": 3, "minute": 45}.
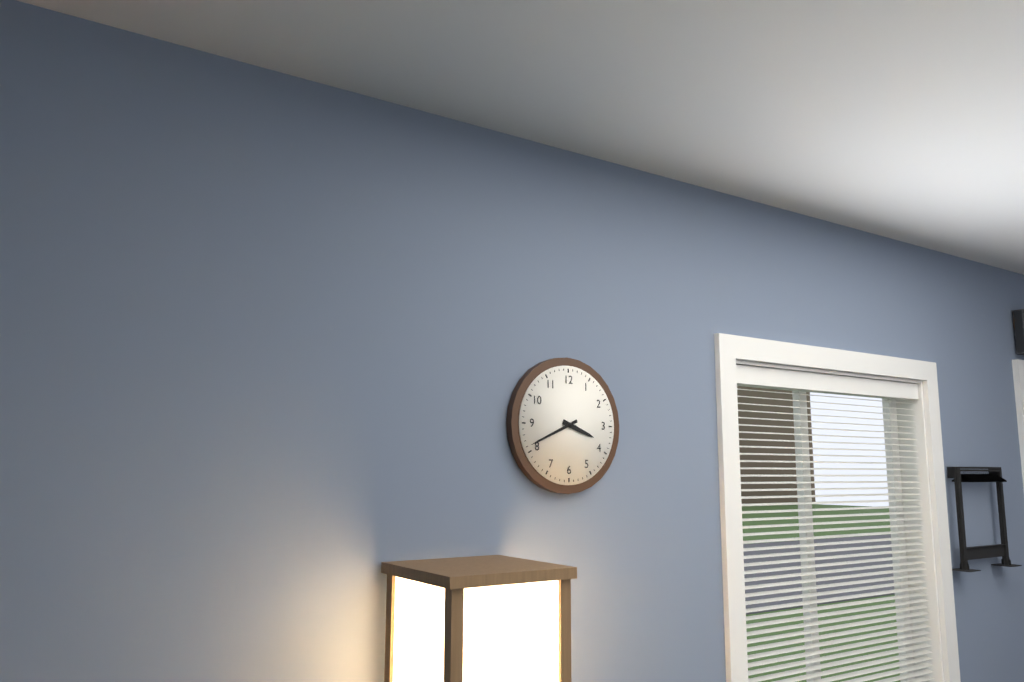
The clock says {"hour": 3, "minute": 41}
